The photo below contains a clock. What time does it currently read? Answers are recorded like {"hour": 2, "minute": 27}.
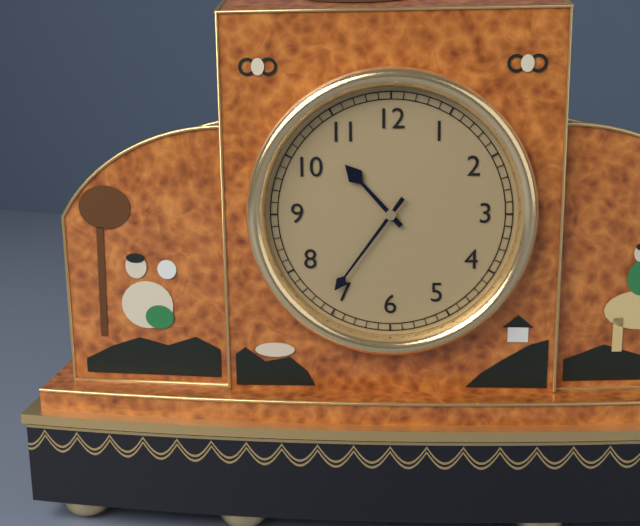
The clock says {"hour": 10, "minute": 36}
